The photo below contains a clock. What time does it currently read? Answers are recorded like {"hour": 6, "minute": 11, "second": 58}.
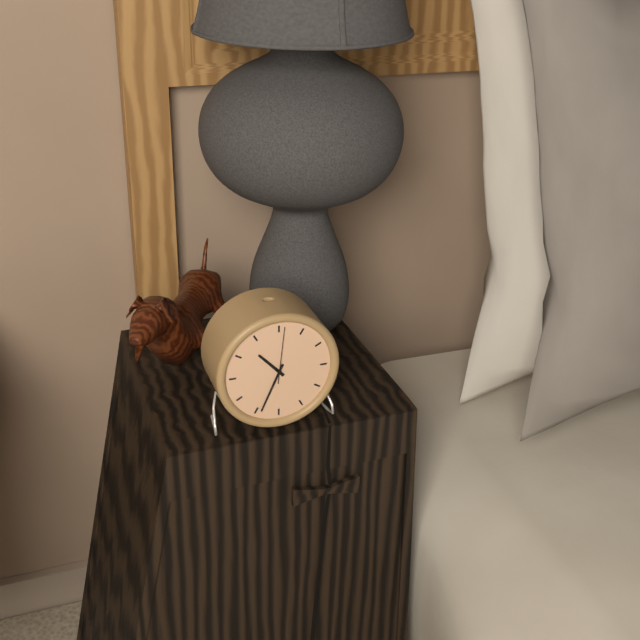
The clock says {"hour": 10, "minute": 34, "second": 1}
